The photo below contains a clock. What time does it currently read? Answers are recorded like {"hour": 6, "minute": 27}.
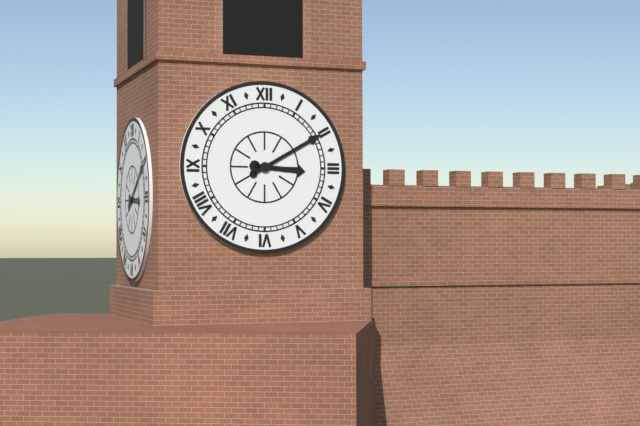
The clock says {"hour": 3, "minute": 10}
